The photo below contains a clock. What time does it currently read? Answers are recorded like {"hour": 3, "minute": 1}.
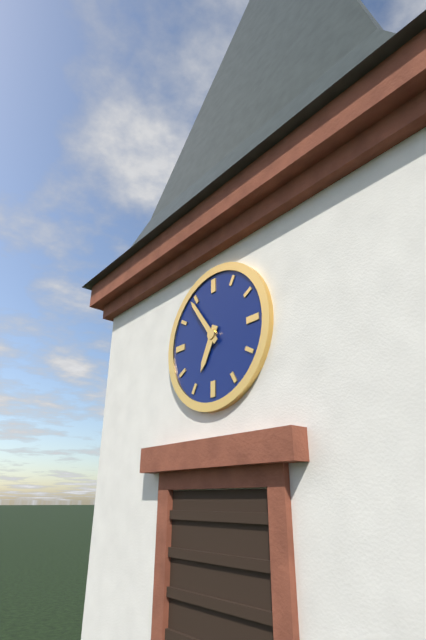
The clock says {"hour": 6, "minute": 54}
